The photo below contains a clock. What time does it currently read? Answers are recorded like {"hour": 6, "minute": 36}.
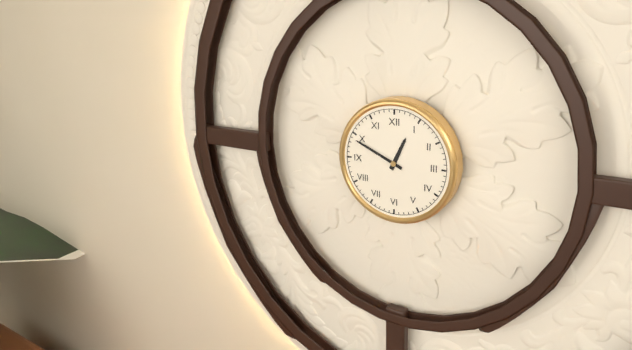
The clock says {"hour": 12, "minute": 49}
